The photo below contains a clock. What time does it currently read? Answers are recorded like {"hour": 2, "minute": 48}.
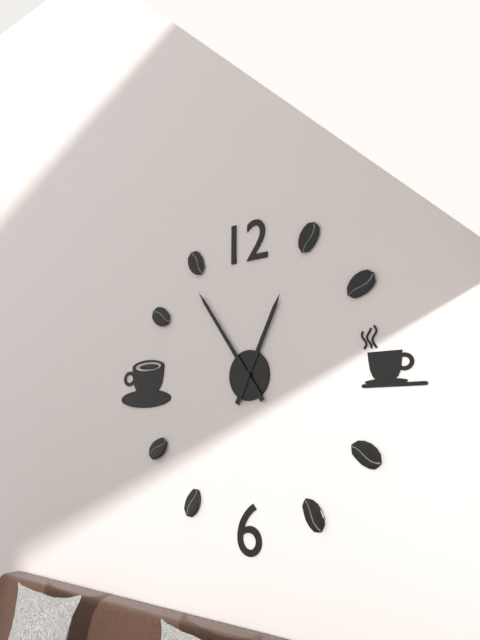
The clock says {"hour": 12, "minute": 54}
